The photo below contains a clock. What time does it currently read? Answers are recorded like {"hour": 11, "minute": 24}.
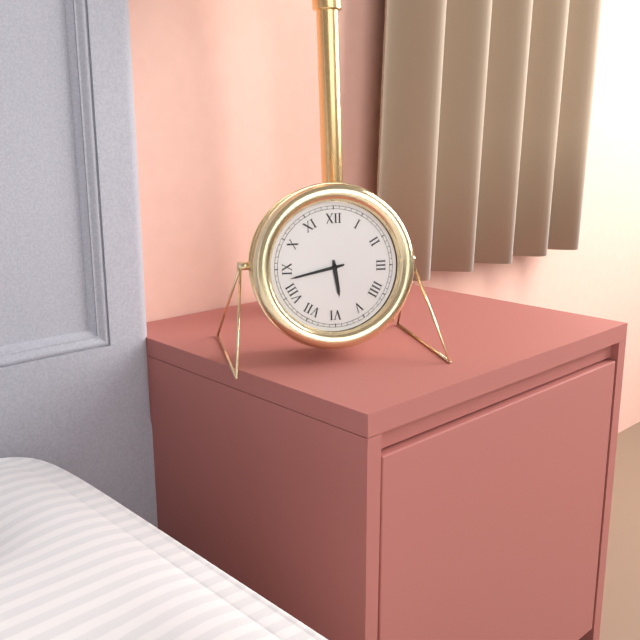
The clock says {"hour": 5, "minute": 43}
